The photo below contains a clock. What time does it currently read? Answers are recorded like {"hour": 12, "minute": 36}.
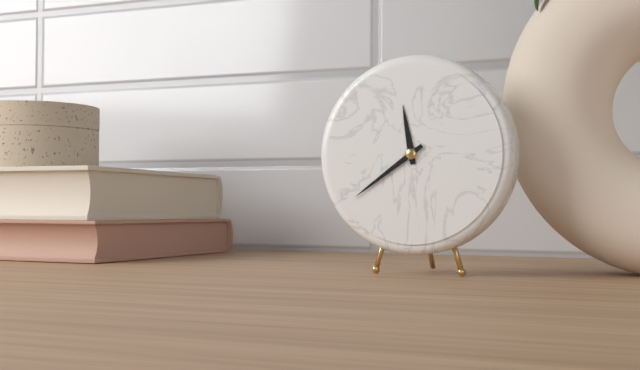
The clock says {"hour": 11, "minute": 39}
